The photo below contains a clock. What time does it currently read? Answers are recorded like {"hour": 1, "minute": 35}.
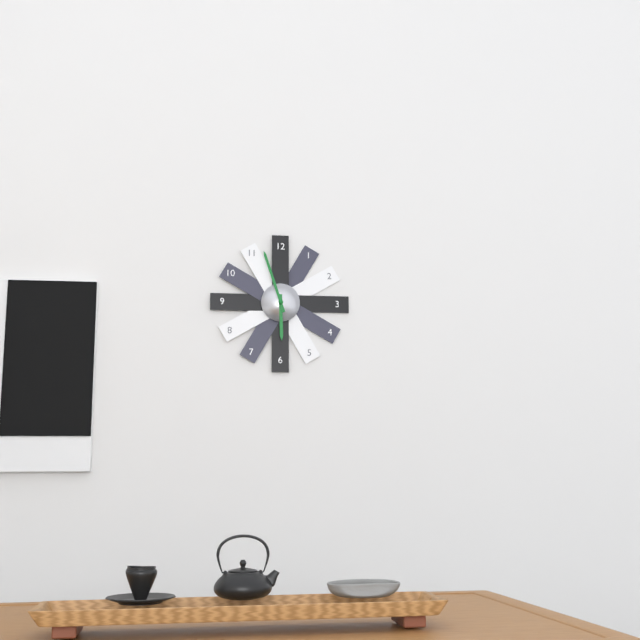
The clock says {"hour": 5, "minute": 57}
